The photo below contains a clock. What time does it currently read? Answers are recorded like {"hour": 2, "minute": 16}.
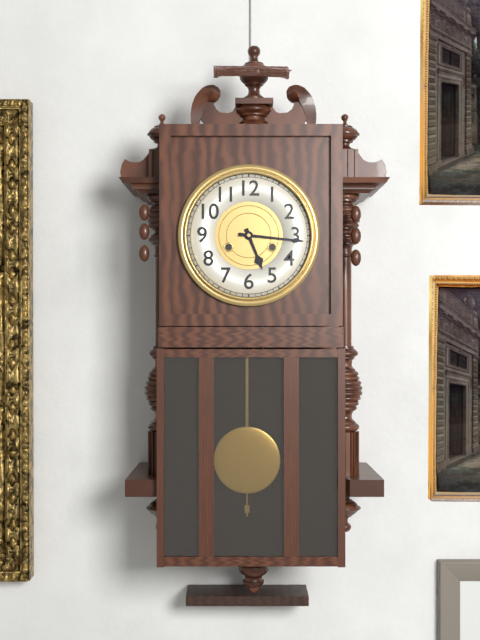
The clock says {"hour": 5, "minute": 16}
